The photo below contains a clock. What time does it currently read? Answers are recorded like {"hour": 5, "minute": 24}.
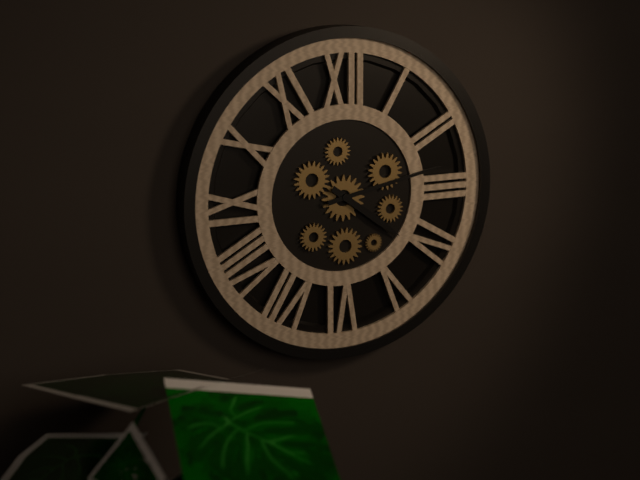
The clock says {"hour": 4, "minute": 13}
